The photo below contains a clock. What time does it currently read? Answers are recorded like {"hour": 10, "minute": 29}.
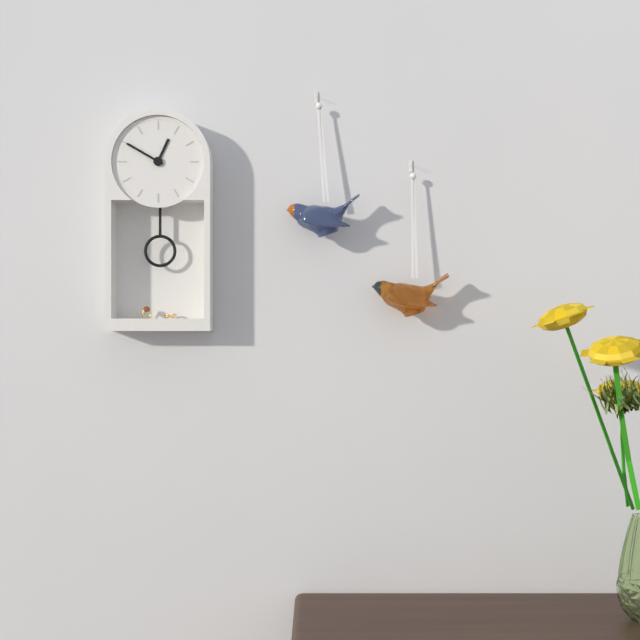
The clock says {"hour": 12, "minute": 50}
